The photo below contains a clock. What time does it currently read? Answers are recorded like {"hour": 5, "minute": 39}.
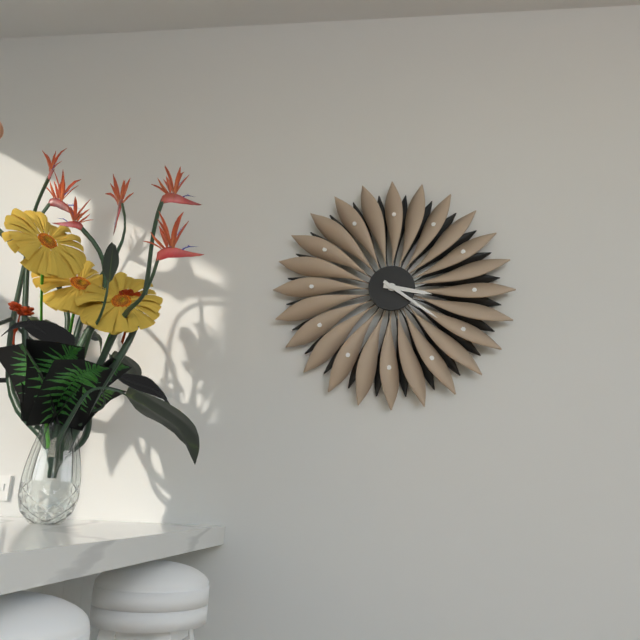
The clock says {"hour": 3, "minute": 21}
